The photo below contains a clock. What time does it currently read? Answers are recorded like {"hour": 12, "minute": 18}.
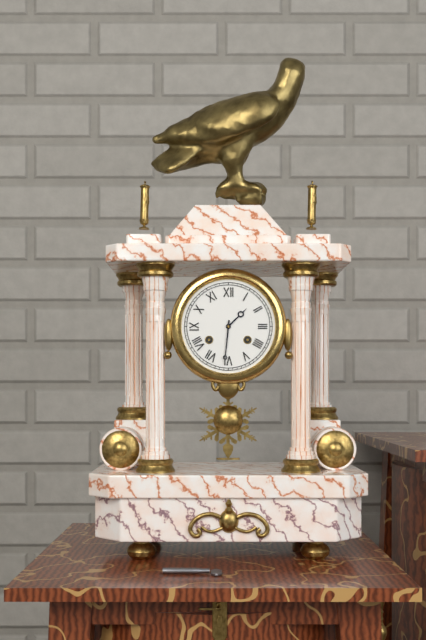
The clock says {"hour": 1, "minute": 31}
